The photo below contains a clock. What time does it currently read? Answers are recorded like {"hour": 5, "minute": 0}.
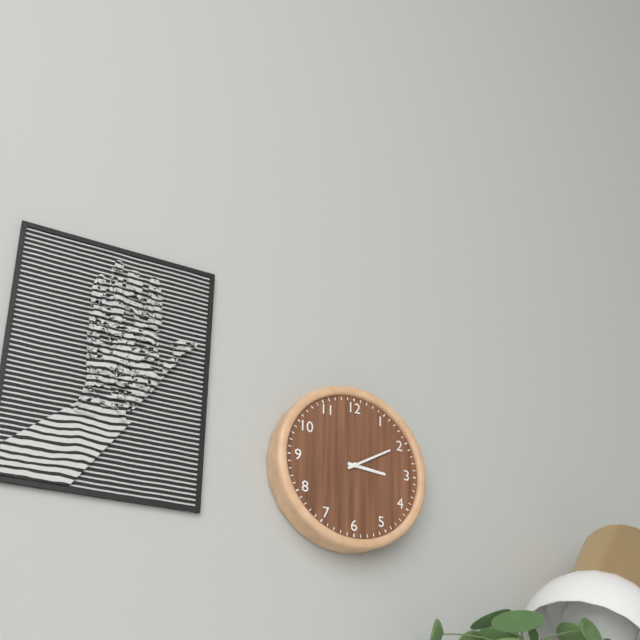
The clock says {"hour": 3, "minute": 10}
